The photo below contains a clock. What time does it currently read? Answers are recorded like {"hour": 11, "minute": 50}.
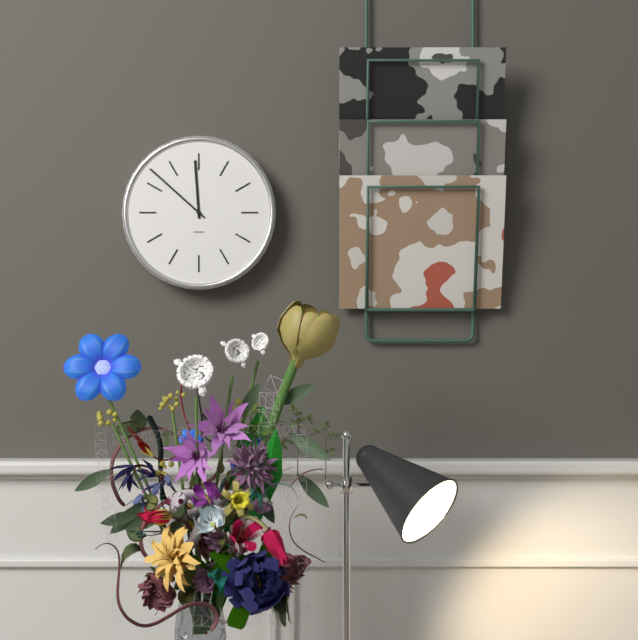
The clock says {"hour": 11, "minute": 52}
